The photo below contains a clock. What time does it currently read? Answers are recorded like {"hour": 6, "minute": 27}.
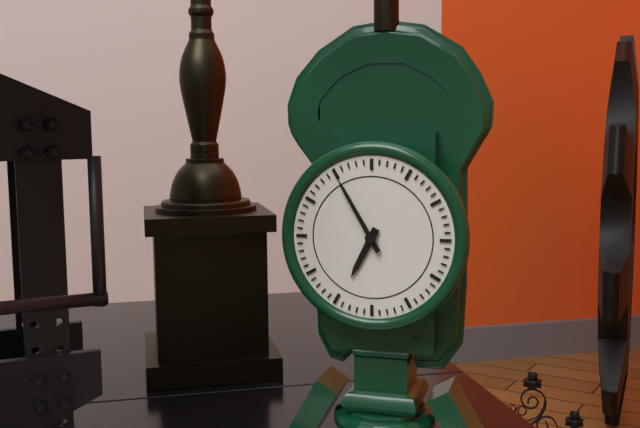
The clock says {"hour": 6, "minute": 55}
